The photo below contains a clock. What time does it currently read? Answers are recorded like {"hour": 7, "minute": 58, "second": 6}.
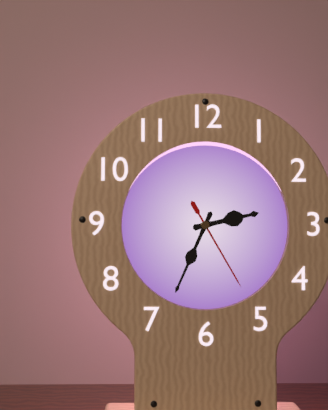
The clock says {"hour": 2, "minute": 34, "second": 25}
